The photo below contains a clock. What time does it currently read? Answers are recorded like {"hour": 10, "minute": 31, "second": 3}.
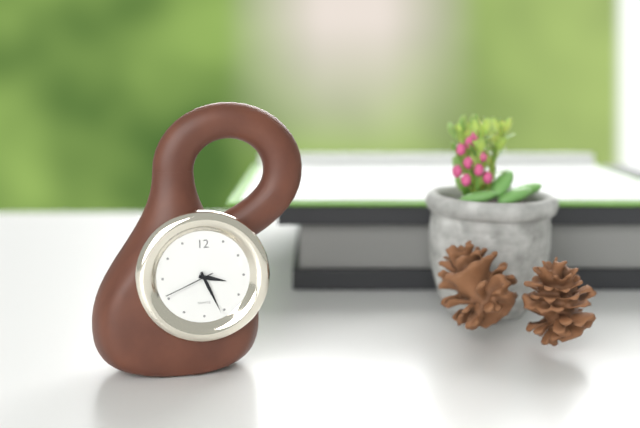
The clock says {"hour": 3, "minute": 26, "second": 41}
